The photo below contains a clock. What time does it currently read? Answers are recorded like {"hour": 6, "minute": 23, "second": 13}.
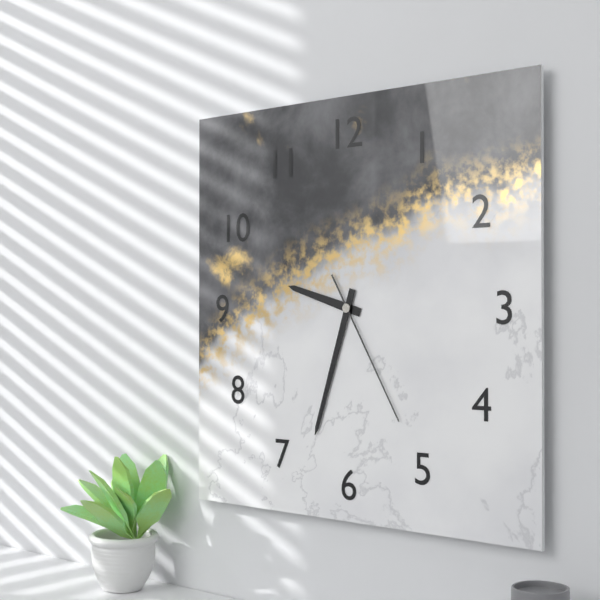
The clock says {"hour": 9, "minute": 33, "second": 25}
